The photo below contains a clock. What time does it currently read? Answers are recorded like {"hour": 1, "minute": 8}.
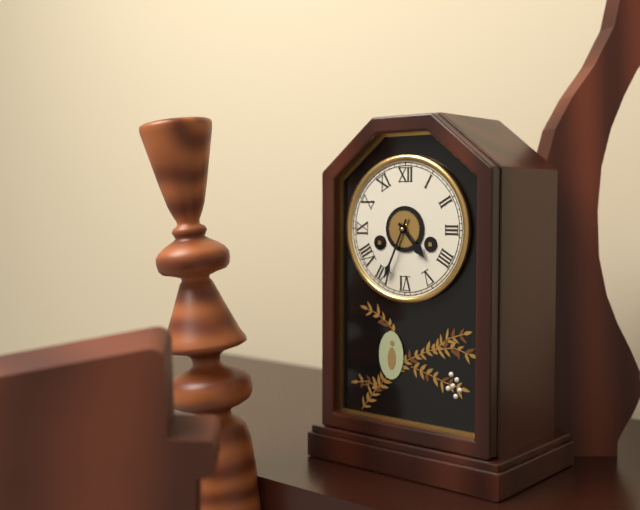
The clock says {"hour": 4, "minute": 34}
